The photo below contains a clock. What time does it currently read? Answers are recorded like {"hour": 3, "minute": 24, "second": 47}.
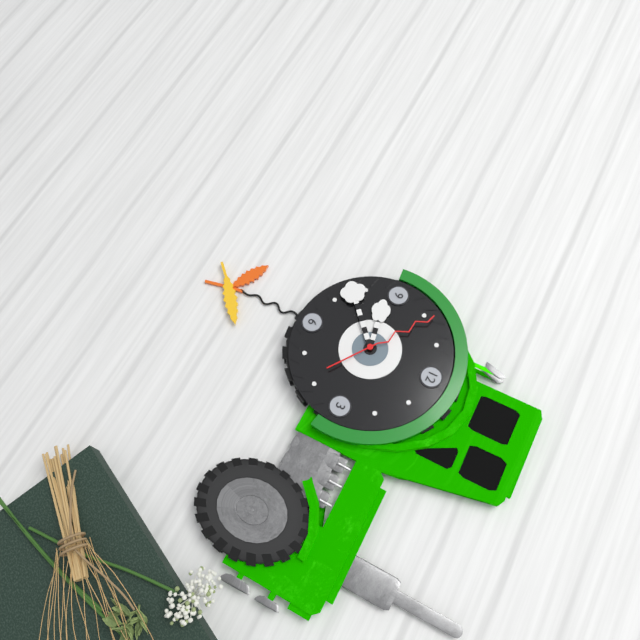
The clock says {"hour": 8, "minute": 38, "second": 51}
